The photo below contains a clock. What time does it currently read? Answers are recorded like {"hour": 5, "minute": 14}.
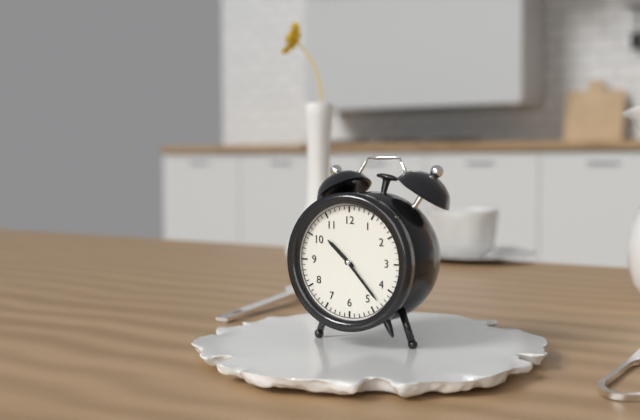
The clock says {"hour": 10, "minute": 23}
